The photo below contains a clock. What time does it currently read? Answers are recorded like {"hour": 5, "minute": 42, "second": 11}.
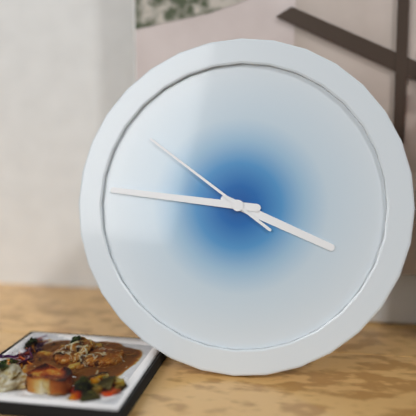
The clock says {"hour": 3, "minute": 46, "second": 51}
